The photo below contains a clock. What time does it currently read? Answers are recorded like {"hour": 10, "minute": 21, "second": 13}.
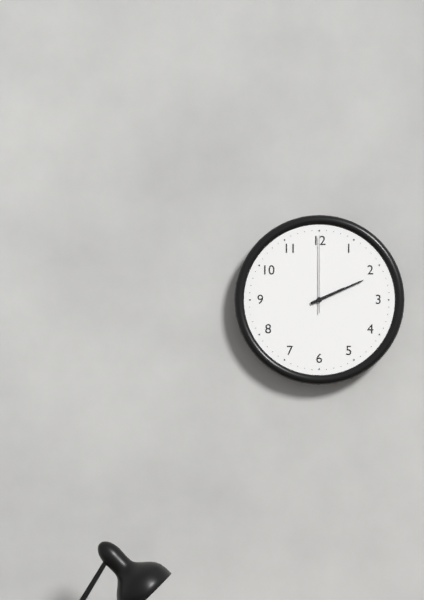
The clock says {"hour": 2, "minute": 11, "second": 0}
